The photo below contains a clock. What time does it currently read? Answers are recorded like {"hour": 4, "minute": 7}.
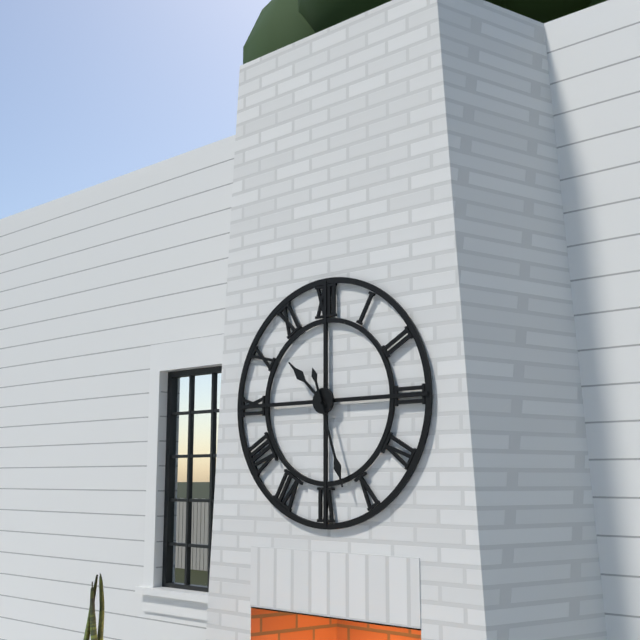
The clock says {"hour": 10, "minute": 27}
